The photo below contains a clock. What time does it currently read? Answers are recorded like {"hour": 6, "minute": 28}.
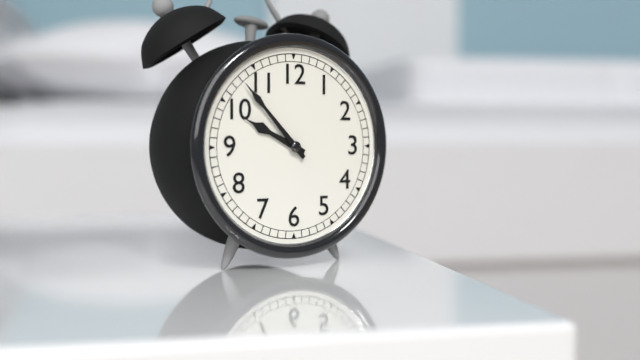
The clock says {"hour": 9, "minute": 53}
